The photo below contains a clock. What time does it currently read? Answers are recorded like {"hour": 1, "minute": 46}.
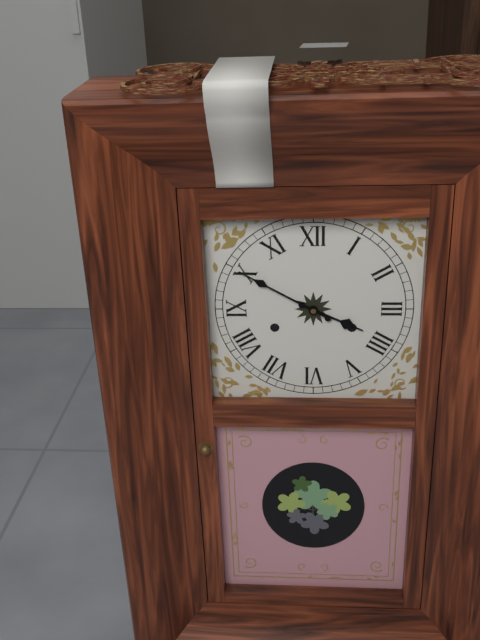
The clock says {"hour": 3, "minute": 50}
